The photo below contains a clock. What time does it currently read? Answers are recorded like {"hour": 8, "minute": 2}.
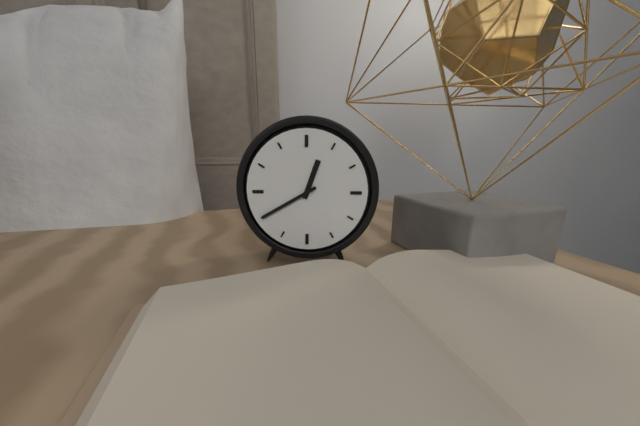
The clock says {"hour": 12, "minute": 40}
